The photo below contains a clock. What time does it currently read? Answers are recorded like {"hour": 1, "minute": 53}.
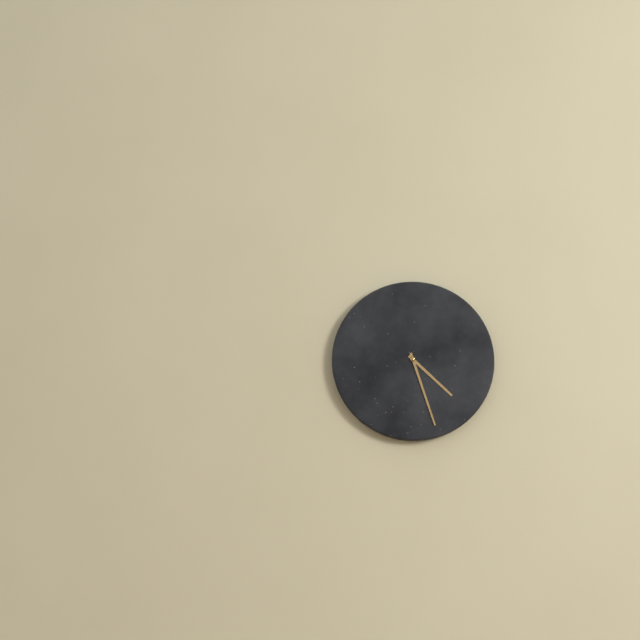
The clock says {"hour": 4, "minute": 27}
